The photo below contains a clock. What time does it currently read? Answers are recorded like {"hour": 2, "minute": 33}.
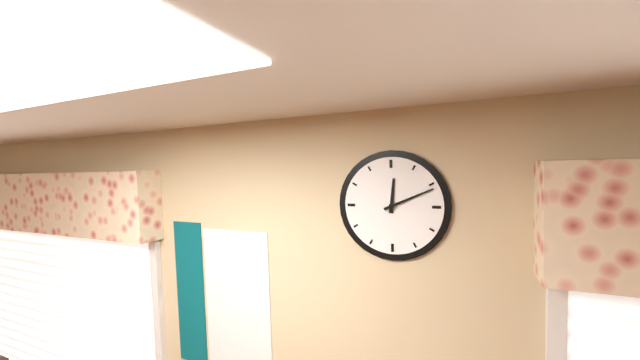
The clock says {"hour": 12, "minute": 11}
